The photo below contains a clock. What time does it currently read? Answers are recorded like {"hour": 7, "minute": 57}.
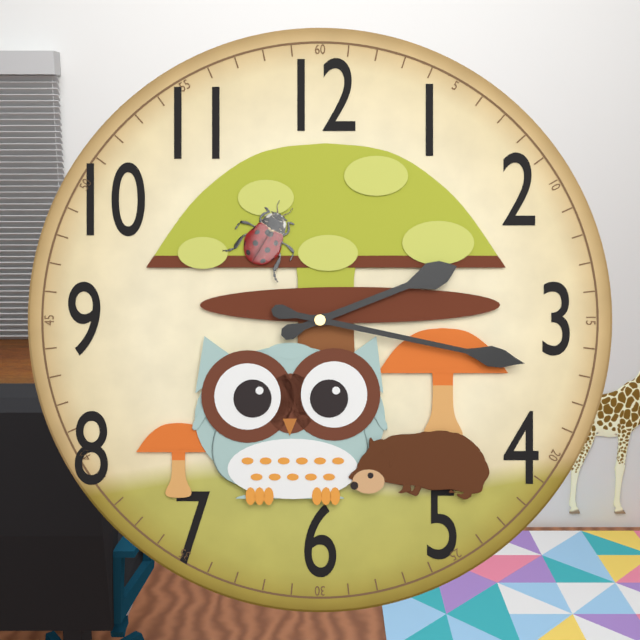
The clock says {"hour": 2, "minute": 17}
